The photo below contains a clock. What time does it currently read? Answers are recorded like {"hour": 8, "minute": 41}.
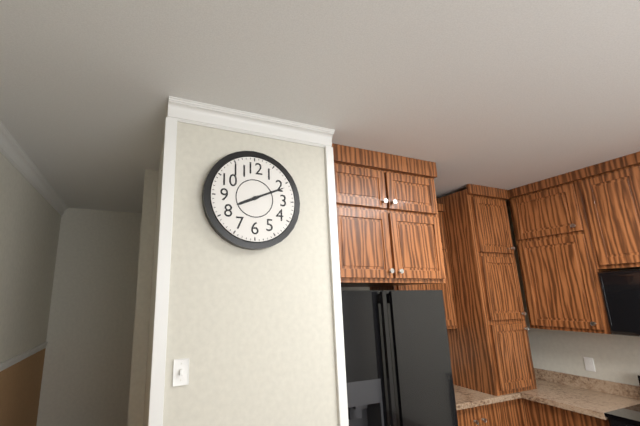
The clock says {"hour": 8, "minute": 11}
